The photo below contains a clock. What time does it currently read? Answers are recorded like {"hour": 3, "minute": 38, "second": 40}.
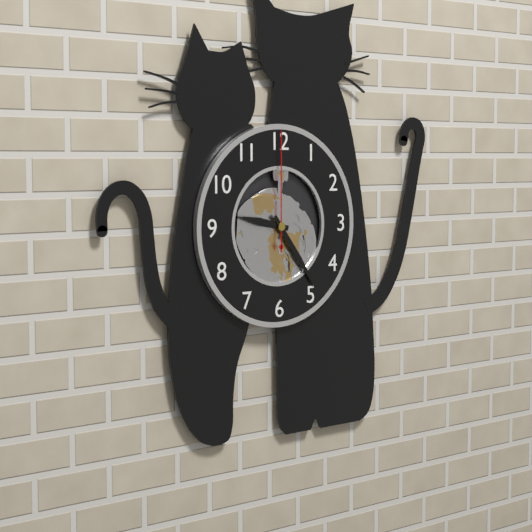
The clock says {"hour": 9, "minute": 24, "second": 0}
